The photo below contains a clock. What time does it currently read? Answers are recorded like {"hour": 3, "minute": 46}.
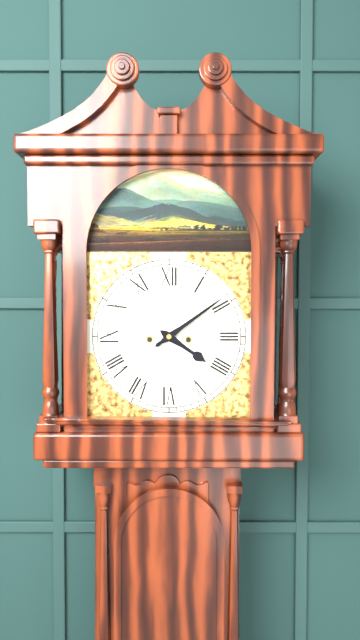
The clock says {"hour": 4, "minute": 9}
